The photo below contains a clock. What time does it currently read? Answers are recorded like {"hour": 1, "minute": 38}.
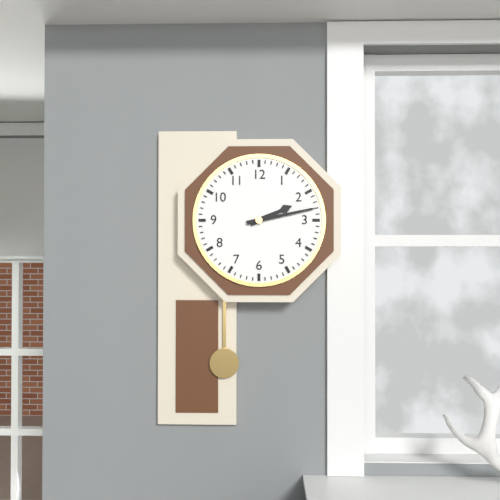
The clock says {"hour": 2, "minute": 13}
